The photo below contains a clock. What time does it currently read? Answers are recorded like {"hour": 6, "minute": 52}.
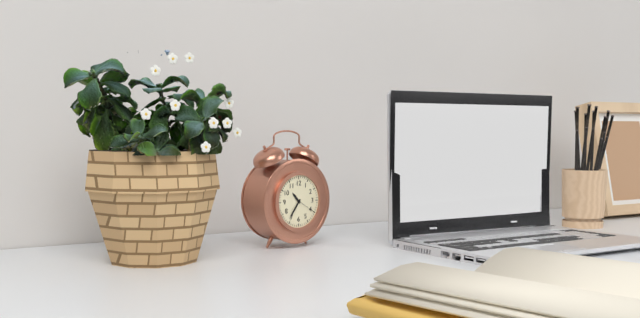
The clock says {"hour": 10, "minute": 36}
